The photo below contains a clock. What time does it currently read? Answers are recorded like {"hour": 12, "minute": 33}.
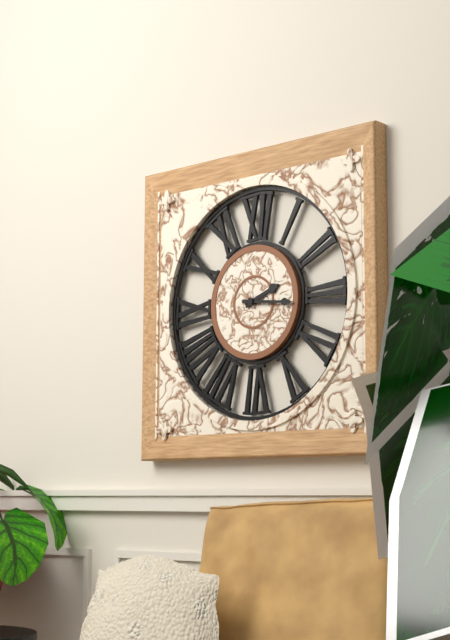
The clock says {"hour": 2, "minute": 16}
